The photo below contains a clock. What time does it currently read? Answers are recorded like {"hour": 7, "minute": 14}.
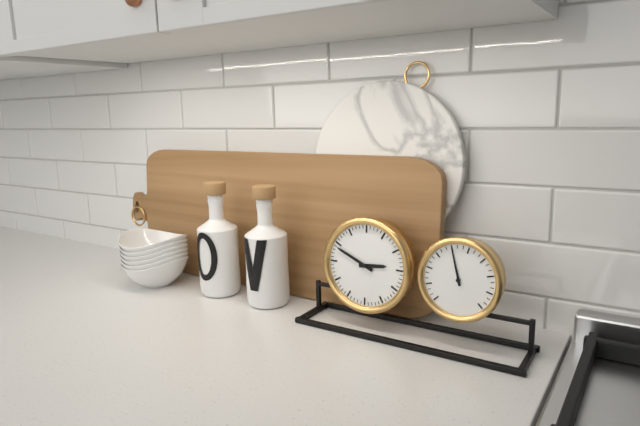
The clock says {"hour": 2, "minute": 49}
